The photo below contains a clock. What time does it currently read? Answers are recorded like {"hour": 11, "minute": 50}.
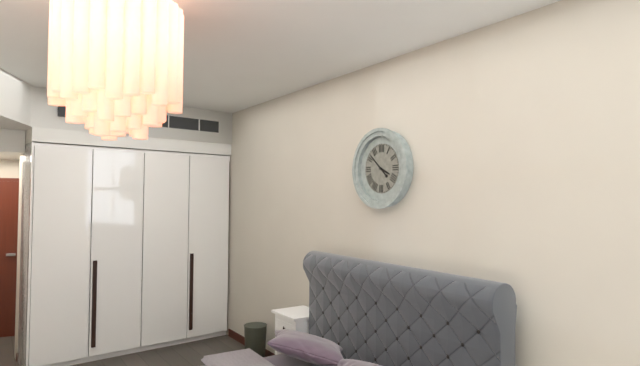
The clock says {"hour": 3, "minute": 52}
